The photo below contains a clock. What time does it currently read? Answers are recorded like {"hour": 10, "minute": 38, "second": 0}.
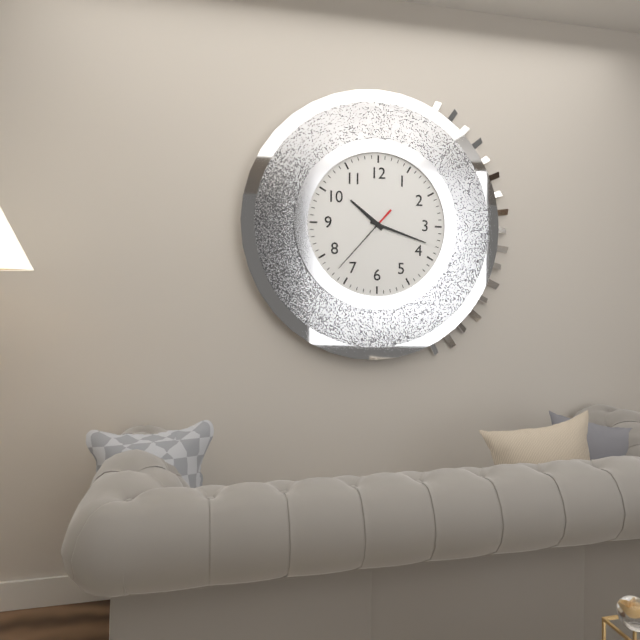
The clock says {"hour": 10, "minute": 18, "second": 37}
